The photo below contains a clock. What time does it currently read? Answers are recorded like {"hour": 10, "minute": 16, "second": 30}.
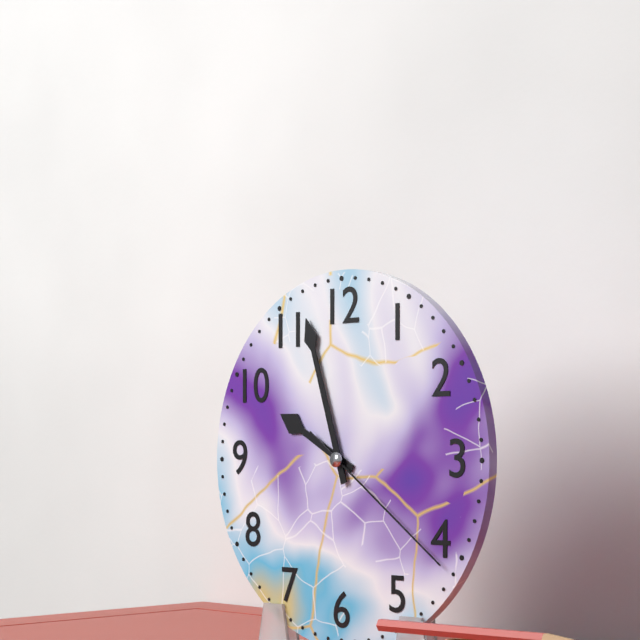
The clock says {"hour": 9, "minute": 57, "second": 21}
